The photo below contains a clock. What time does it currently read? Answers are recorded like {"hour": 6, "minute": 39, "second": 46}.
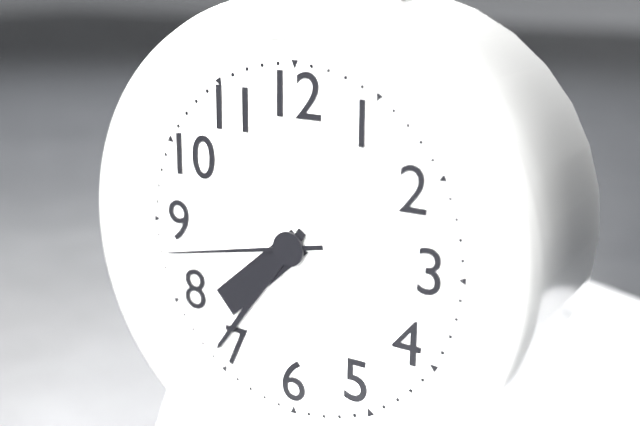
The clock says {"hour": 7, "minute": 36, "second": 43}
